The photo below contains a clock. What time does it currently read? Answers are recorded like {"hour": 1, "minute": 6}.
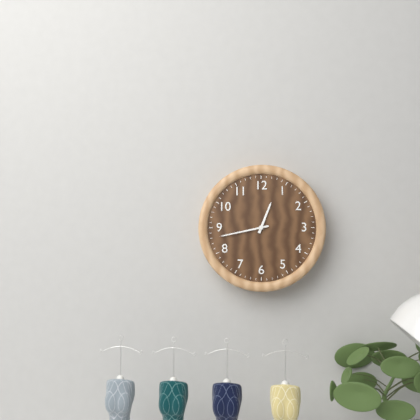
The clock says {"hour": 12, "minute": 43}
